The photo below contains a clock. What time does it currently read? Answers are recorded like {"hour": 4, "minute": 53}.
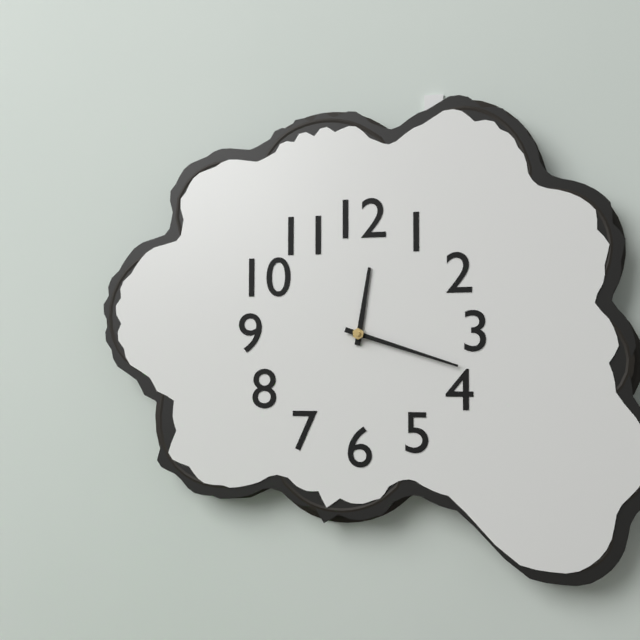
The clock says {"hour": 12, "minute": 18}
